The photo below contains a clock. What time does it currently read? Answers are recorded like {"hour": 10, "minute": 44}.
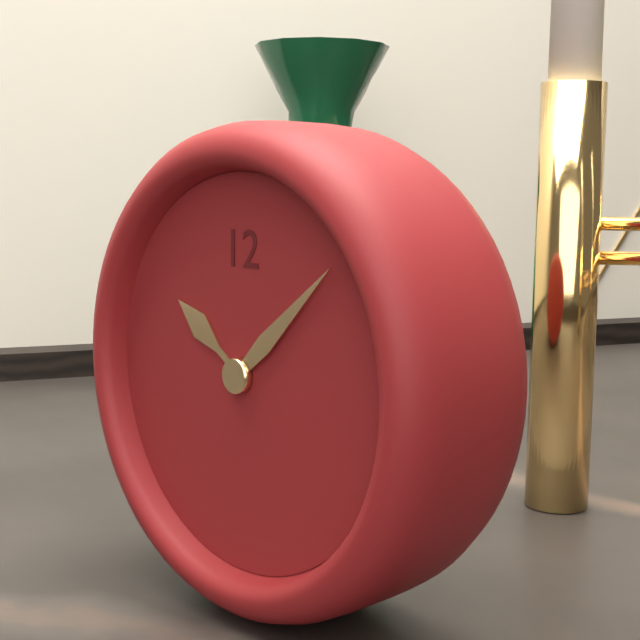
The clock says {"hour": 10, "minute": 8}
